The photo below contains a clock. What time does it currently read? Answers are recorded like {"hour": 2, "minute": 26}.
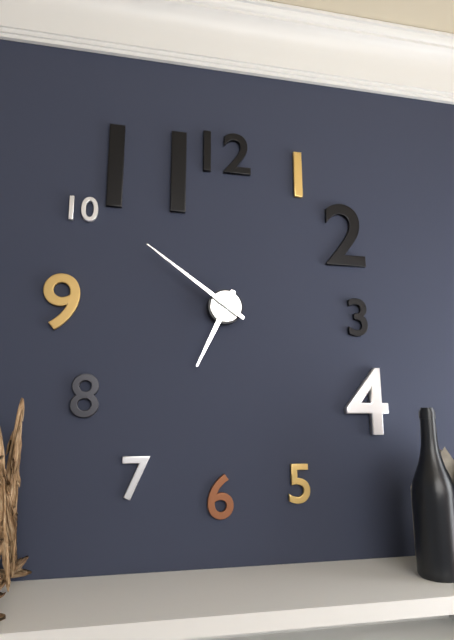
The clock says {"hour": 6, "minute": 51}
